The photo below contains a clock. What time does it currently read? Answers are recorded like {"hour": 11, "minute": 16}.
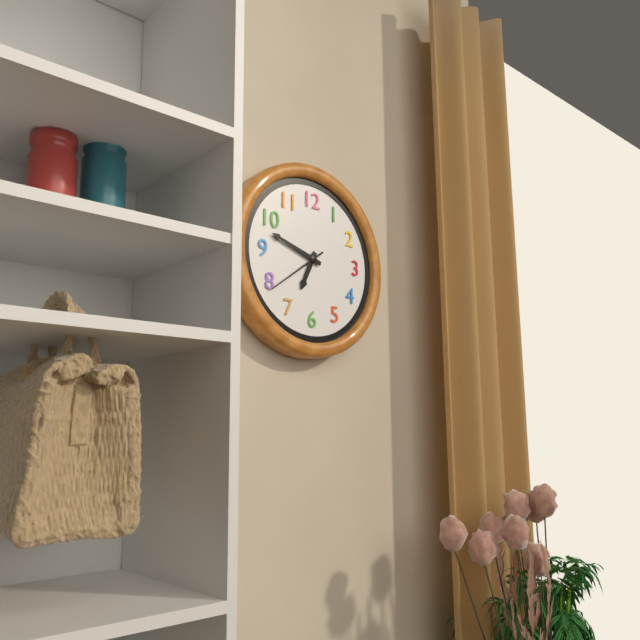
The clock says {"hour": 6, "minute": 48}
